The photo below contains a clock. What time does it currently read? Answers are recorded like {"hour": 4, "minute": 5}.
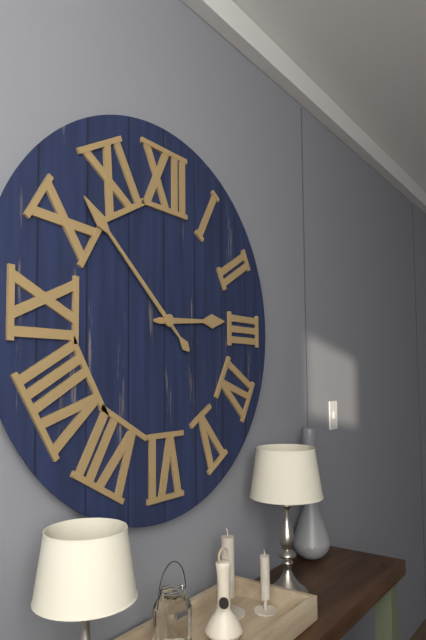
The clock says {"hour": 2, "minute": 52}
